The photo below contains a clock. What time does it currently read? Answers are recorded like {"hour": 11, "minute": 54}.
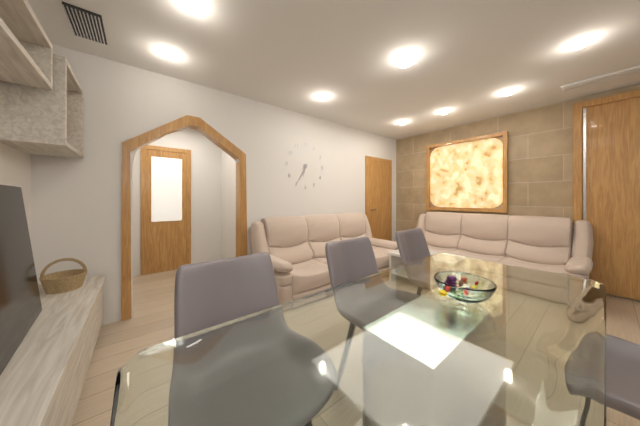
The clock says {"hour": 6, "minute": 35}
